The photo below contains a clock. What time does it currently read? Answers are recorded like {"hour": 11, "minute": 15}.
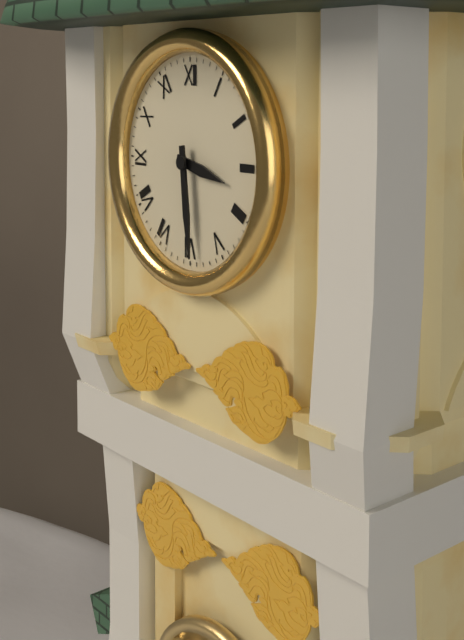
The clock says {"hour": 3, "minute": 29}
